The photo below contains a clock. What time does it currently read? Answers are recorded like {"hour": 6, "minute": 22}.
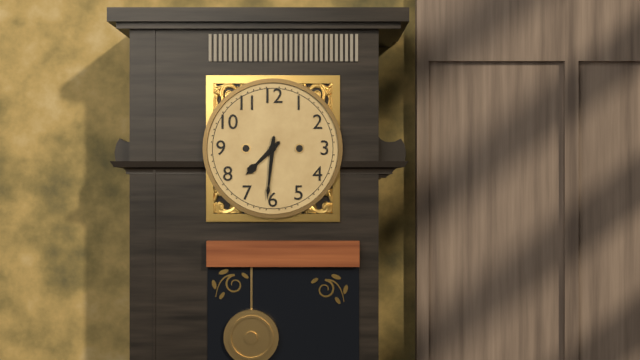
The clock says {"hour": 7, "minute": 31}
